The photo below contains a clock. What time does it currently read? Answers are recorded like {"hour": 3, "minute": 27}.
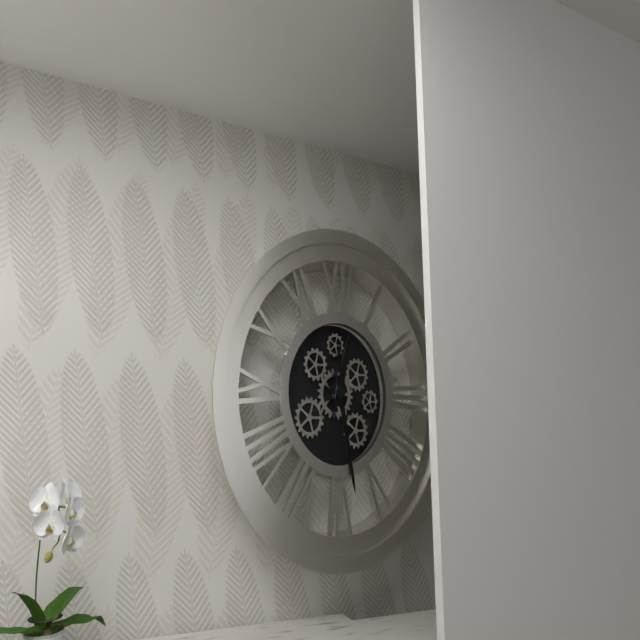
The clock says {"hour": 12, "minute": 28}
